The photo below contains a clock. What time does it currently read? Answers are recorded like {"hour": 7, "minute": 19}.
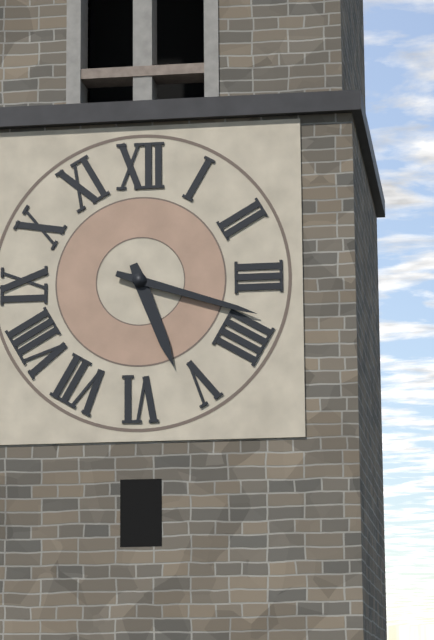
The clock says {"hour": 5, "minute": 18}
